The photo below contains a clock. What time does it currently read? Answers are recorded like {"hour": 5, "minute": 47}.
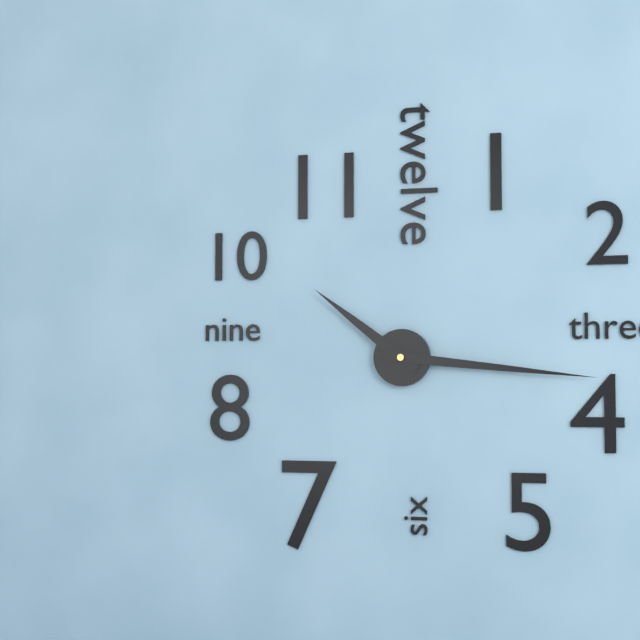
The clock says {"hour": 10, "minute": 16}
